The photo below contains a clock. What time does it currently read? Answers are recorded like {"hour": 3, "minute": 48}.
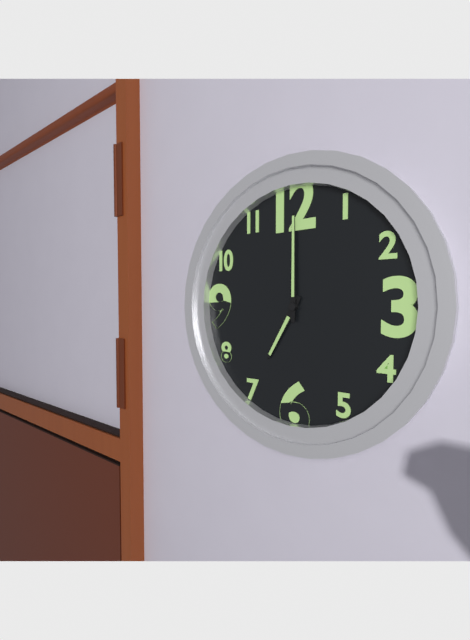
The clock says {"hour": 7, "minute": 0}
